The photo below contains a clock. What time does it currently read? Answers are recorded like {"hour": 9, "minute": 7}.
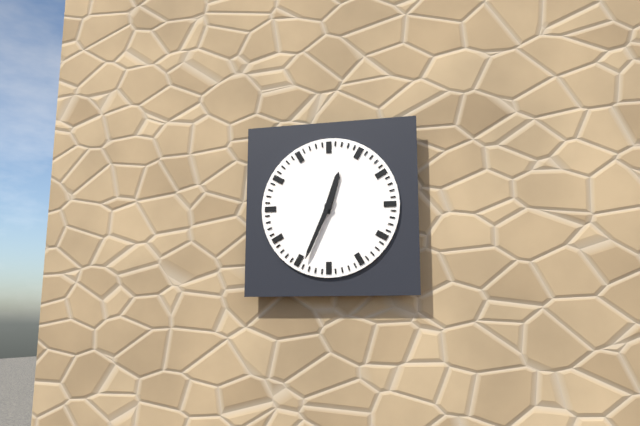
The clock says {"hour": 12, "minute": 34}
